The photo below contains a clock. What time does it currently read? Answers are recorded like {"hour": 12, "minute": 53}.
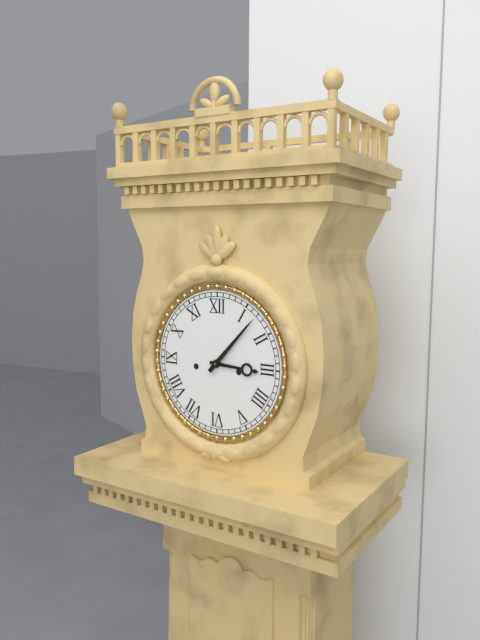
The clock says {"hour": 3, "minute": 7}
